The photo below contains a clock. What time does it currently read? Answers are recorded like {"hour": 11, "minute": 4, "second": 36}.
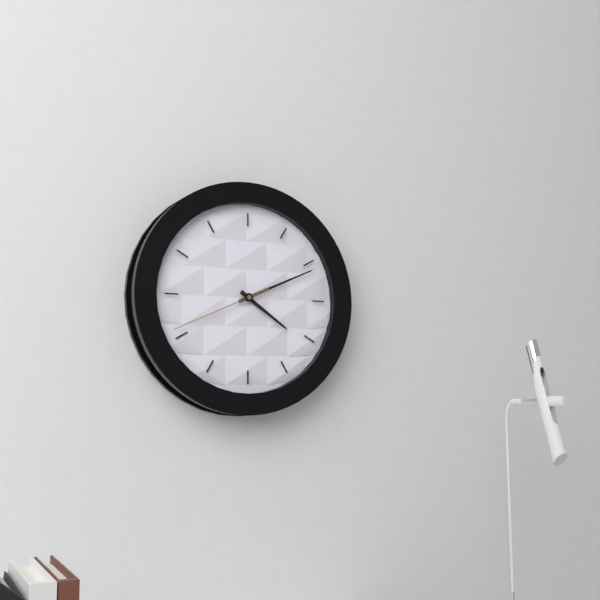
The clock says {"hour": 4, "minute": 11, "second": 41}
